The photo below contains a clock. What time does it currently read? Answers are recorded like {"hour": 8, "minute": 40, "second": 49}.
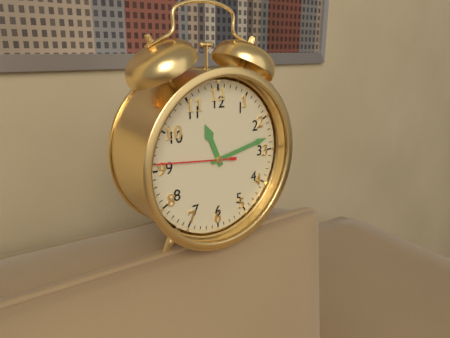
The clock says {"hour": 11, "minute": 13, "second": 46}
